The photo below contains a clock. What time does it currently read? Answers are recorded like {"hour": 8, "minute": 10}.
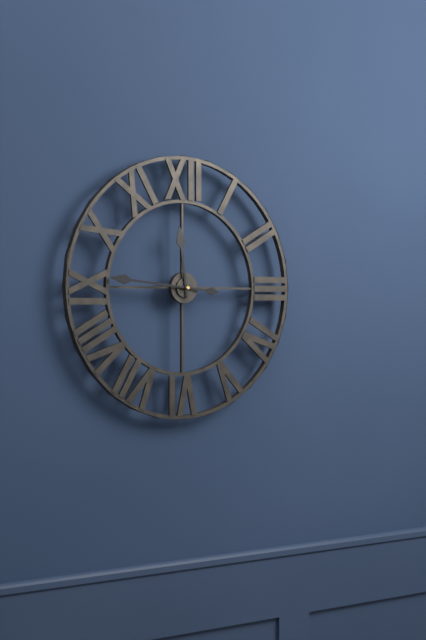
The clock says {"hour": 11, "minute": 46}
